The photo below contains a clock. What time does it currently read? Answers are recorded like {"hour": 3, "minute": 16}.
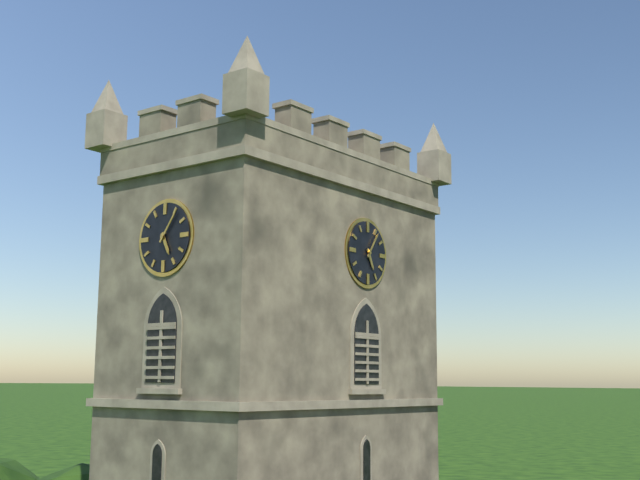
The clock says {"hour": 5, "minute": 6}
